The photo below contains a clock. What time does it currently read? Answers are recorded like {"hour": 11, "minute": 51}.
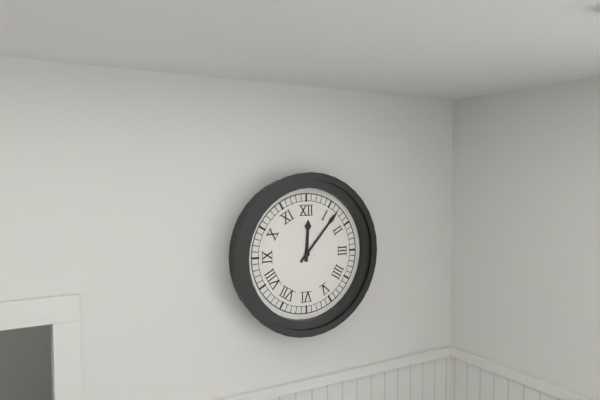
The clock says {"hour": 12, "minute": 7}
